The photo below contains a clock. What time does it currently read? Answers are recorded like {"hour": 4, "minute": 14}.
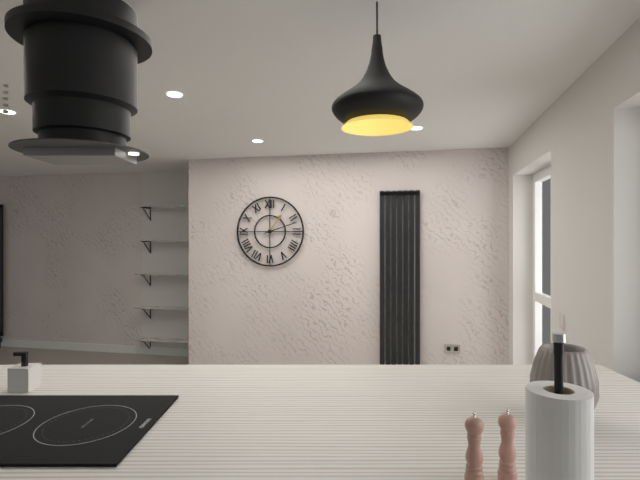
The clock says {"hour": 1, "minute": 12}
